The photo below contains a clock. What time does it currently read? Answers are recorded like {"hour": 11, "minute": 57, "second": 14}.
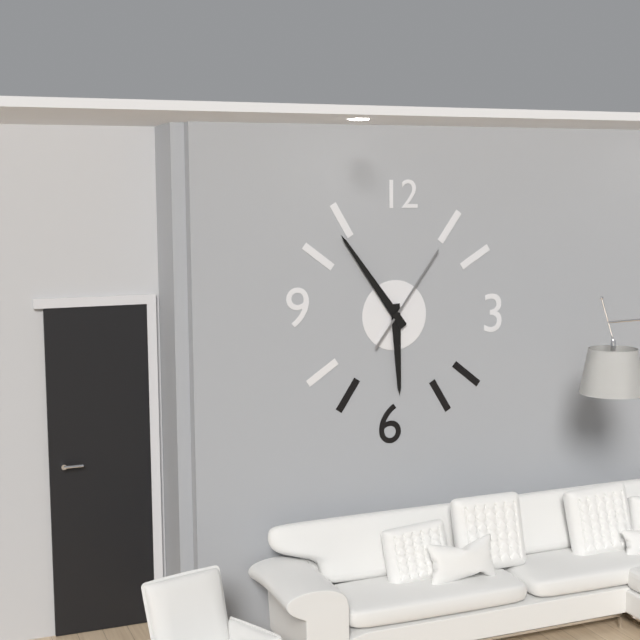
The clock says {"hour": 5, "minute": 54, "second": 6}
